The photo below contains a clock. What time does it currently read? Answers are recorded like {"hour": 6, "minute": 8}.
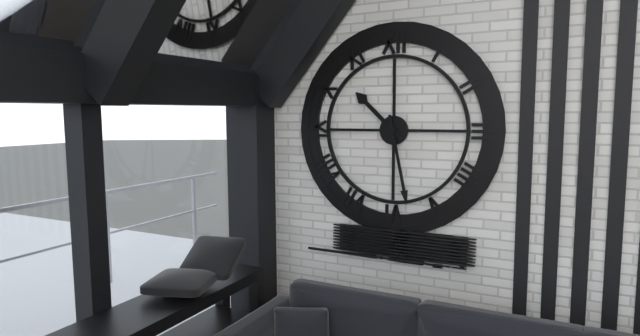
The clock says {"hour": 10, "minute": 28}
